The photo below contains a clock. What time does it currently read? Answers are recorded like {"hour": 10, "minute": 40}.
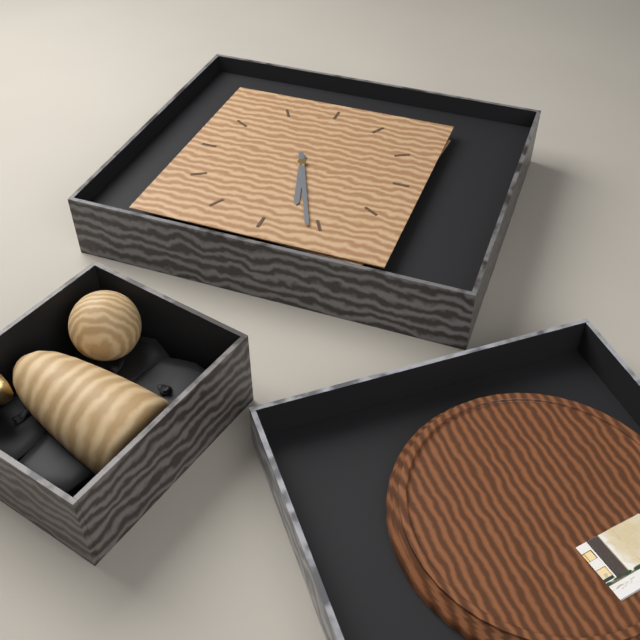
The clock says {"hour": 5, "minute": 26}
